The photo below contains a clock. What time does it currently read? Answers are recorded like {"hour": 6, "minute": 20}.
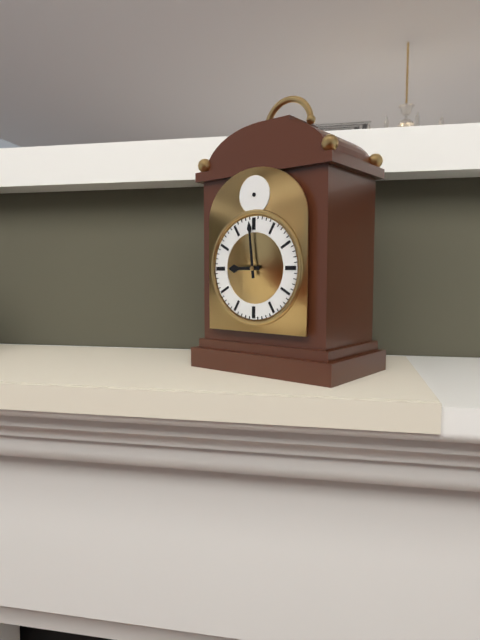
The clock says {"hour": 8, "minute": 59}
